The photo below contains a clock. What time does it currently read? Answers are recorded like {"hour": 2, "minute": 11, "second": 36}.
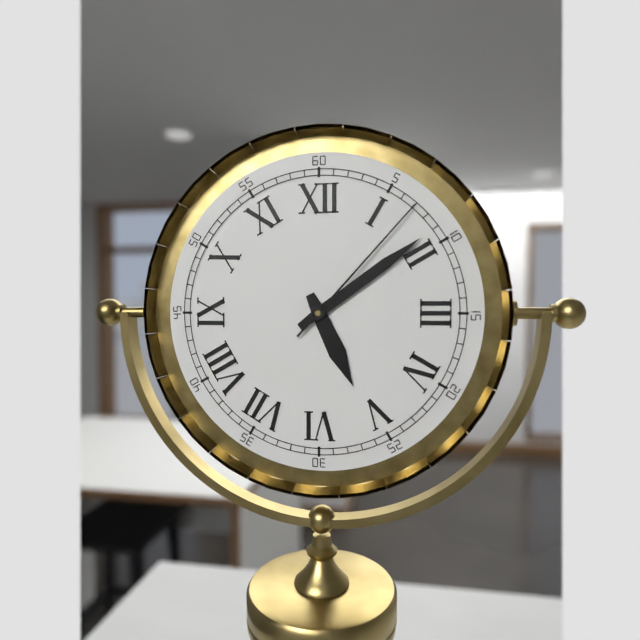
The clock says {"hour": 5, "minute": 9, "second": 7}
